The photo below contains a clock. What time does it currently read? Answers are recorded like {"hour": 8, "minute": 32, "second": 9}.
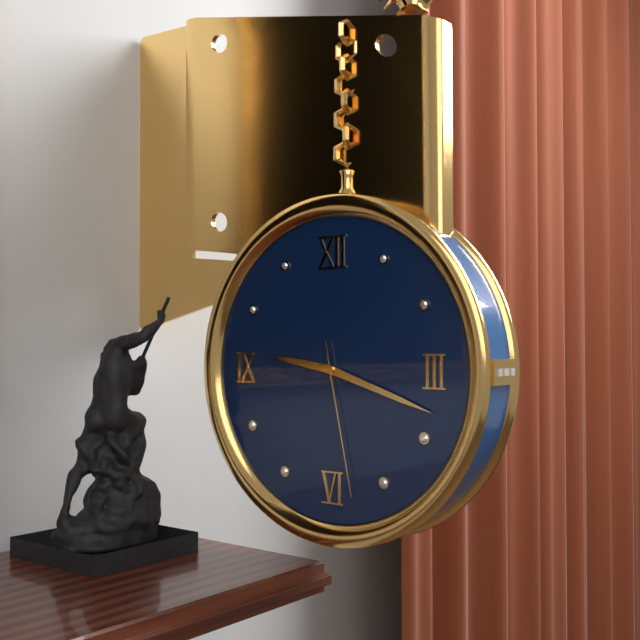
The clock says {"hour": 9, "minute": 18, "second": 28}
